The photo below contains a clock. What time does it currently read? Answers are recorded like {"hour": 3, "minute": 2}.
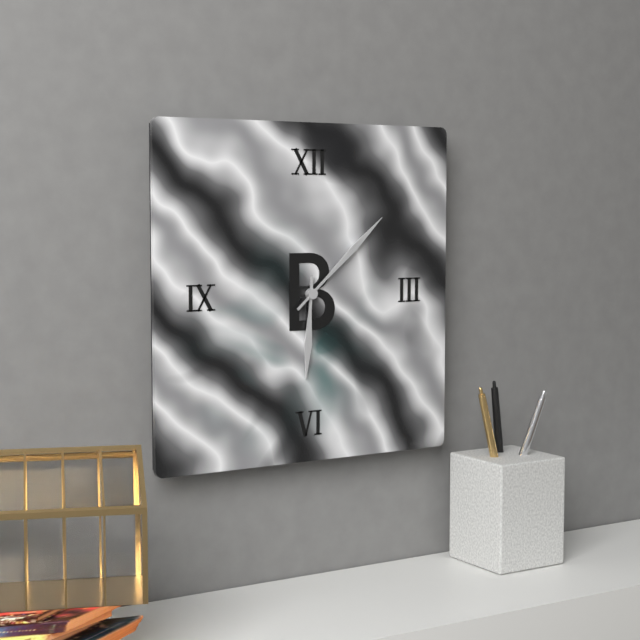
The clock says {"hour": 6, "minute": 8}
